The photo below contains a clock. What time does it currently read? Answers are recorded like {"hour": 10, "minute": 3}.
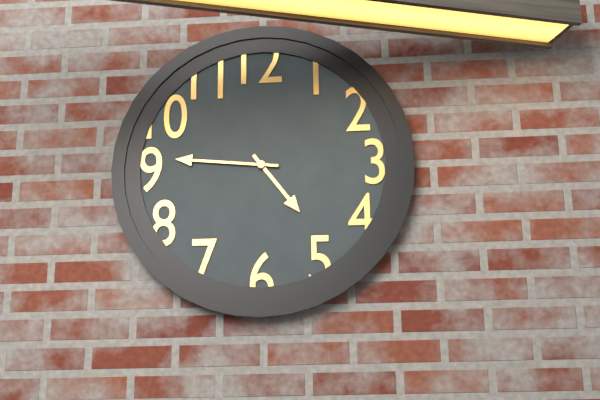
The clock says {"hour": 4, "minute": 46}
